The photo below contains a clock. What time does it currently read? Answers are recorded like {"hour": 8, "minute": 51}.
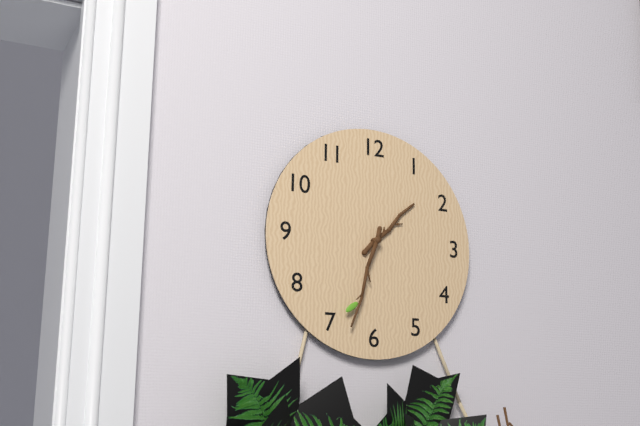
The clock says {"hour": 1, "minute": 33}
